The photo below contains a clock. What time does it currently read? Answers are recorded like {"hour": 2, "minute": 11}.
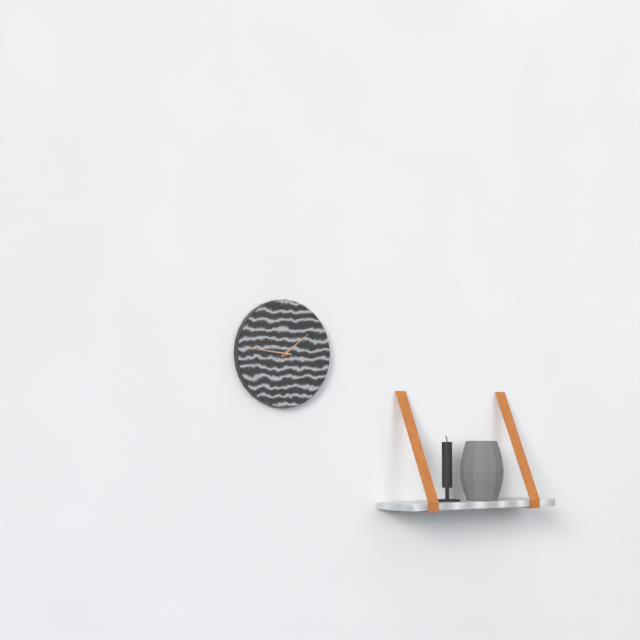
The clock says {"hour": 1, "minute": 46}
